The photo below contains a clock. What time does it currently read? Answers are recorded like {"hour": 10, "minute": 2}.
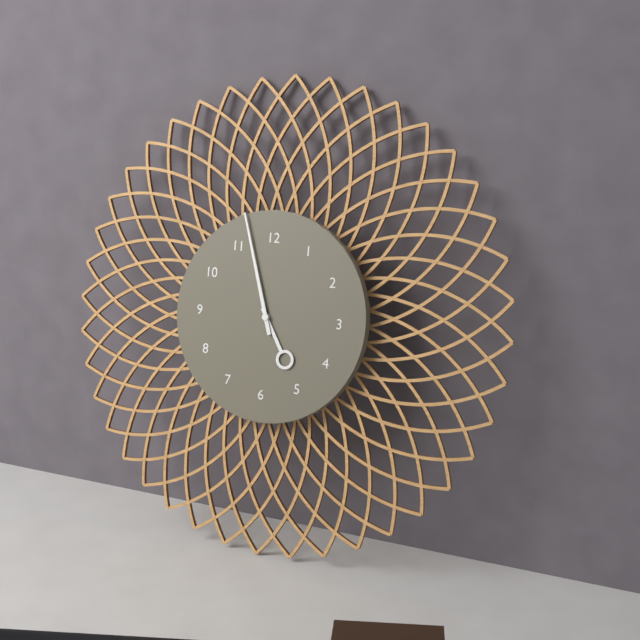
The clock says {"hour": 4, "minute": 57}
